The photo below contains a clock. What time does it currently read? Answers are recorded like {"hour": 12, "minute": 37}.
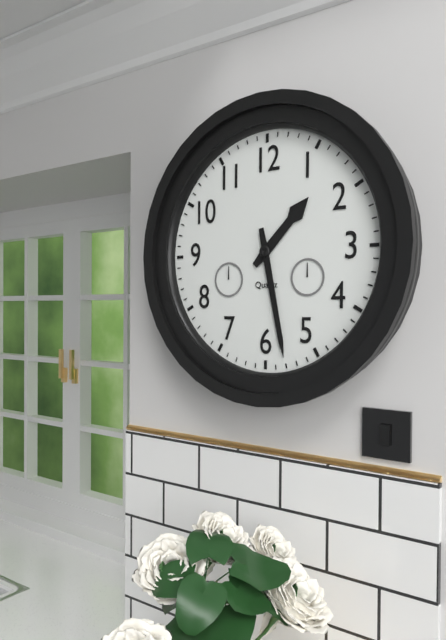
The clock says {"hour": 1, "minute": 28}
